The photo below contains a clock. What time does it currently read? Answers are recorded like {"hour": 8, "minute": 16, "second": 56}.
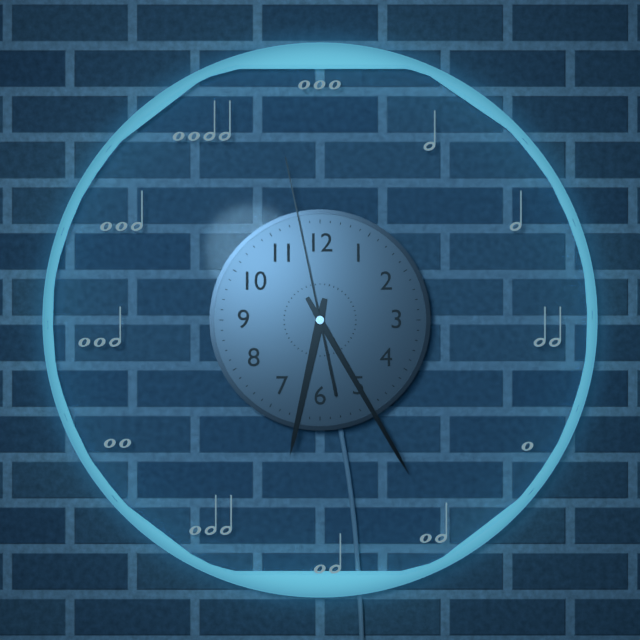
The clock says {"hour": 6, "minute": 25, "second": 58}
